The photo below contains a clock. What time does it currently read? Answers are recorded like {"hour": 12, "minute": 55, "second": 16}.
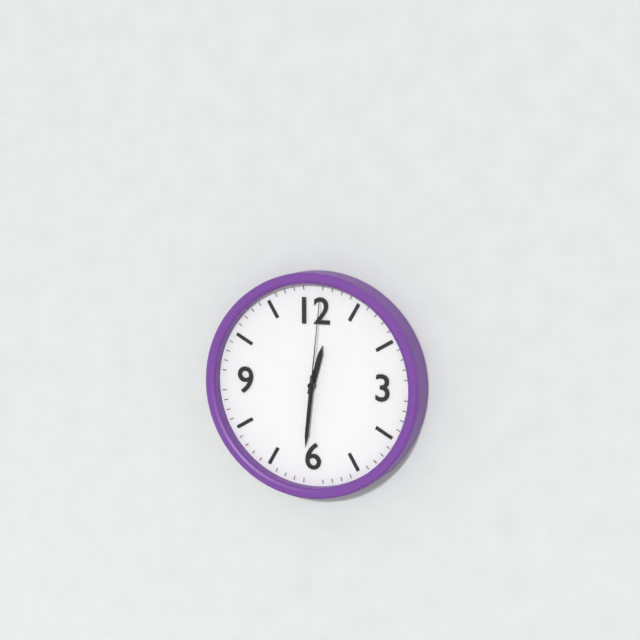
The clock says {"hour": 12, "minute": 31, "second": 1}
